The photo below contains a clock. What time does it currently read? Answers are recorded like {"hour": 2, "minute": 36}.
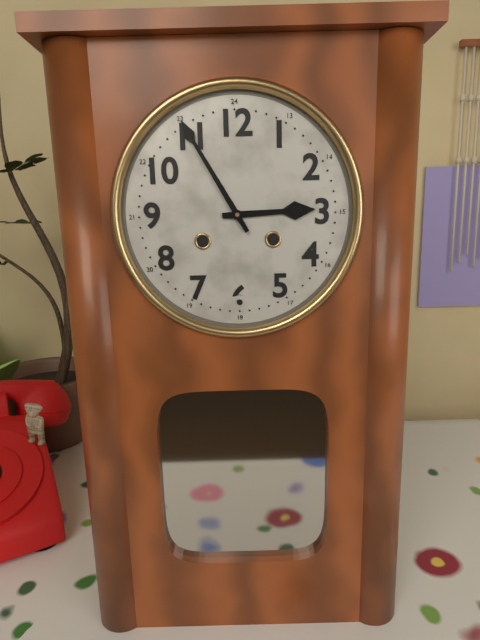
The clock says {"hour": 2, "minute": 55}
